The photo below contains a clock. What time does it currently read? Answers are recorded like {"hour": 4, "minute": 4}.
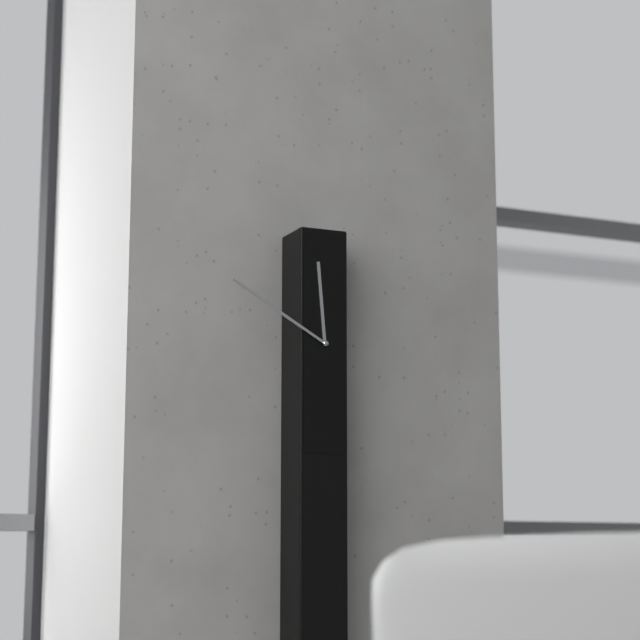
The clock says {"hour": 11, "minute": 50}
